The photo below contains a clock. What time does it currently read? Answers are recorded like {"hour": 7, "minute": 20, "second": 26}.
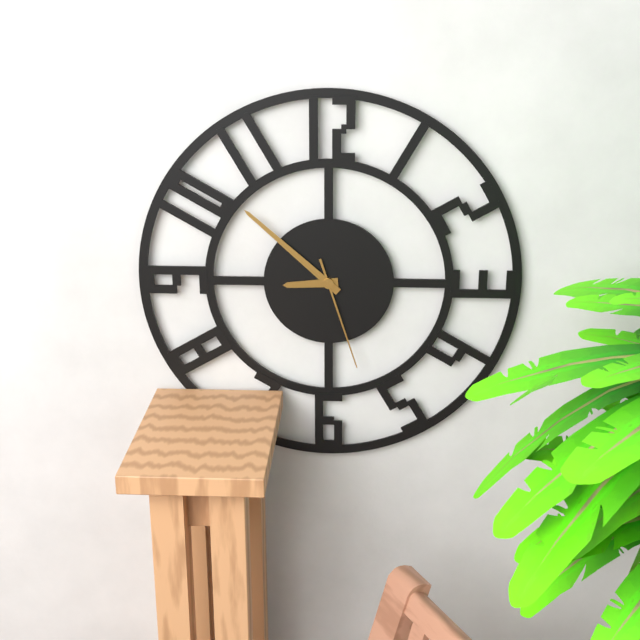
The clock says {"hour": 8, "minute": 52, "second": 27}
